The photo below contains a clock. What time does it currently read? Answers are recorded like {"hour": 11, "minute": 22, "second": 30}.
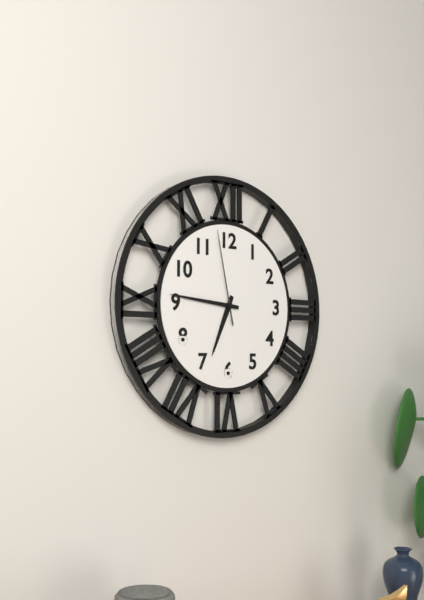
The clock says {"hour": 6, "minute": 46, "second": 58}
